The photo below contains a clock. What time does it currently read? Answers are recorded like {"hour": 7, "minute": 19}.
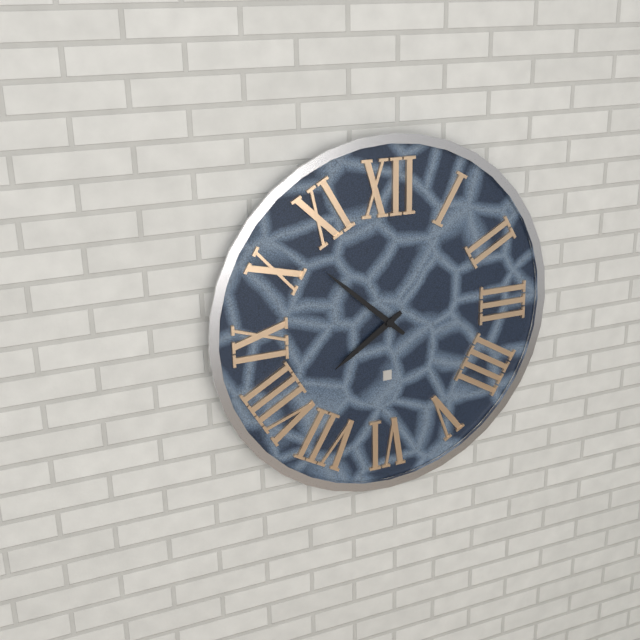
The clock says {"hour": 7, "minute": 52}
